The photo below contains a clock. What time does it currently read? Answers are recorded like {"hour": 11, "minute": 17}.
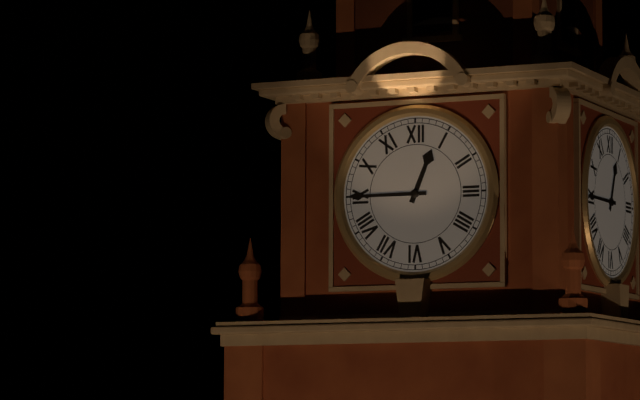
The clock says {"hour": 12, "minute": 45}
